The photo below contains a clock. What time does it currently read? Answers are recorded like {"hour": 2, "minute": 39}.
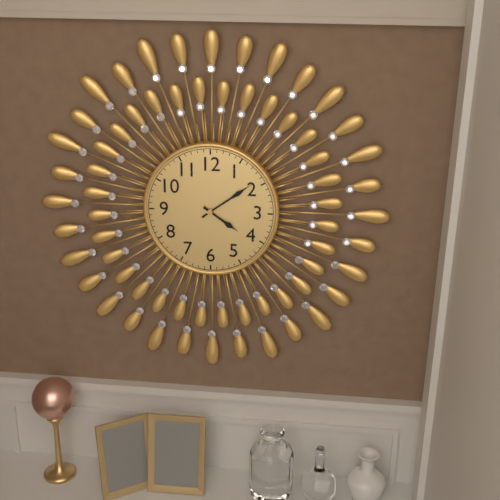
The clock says {"hour": 4, "minute": 9}
